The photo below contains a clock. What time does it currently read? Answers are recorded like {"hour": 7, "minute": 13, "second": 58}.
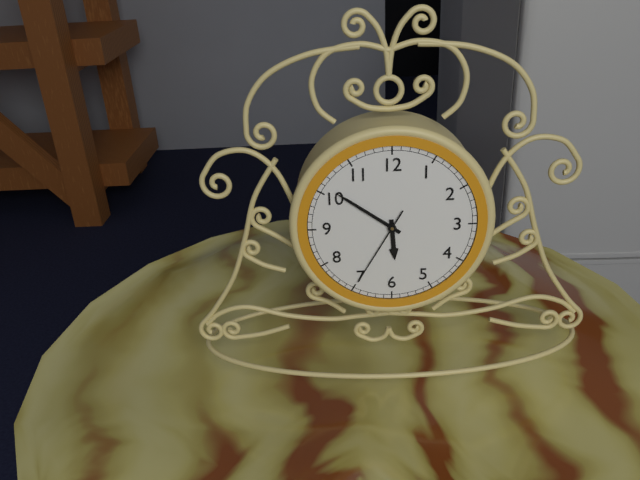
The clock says {"hour": 5, "minute": 51, "second": 35}
